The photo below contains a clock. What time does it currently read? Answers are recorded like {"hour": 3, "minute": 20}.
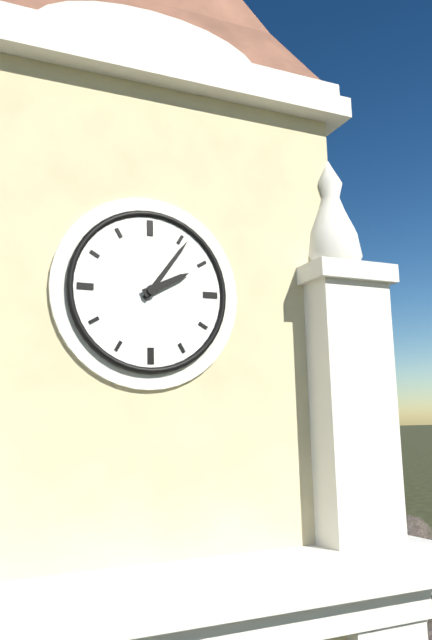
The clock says {"hour": 2, "minute": 6}
